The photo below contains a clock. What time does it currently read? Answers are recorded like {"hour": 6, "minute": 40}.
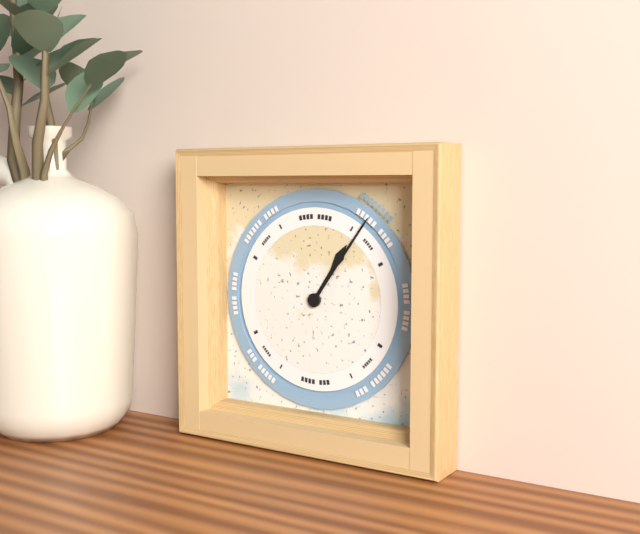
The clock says {"hour": 1, "minute": 6}
